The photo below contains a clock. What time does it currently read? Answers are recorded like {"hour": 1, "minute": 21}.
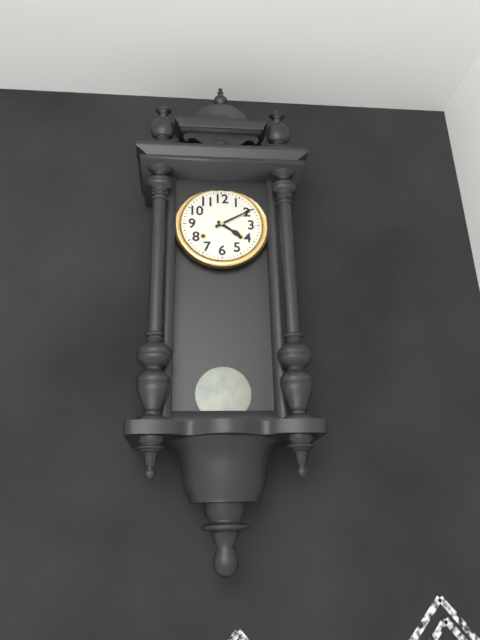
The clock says {"hour": 4, "minute": 10}
